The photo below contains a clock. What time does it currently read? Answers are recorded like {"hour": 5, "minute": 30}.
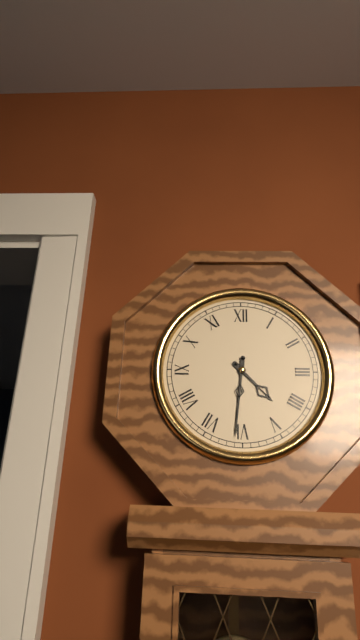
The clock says {"hour": 4, "minute": 31}
